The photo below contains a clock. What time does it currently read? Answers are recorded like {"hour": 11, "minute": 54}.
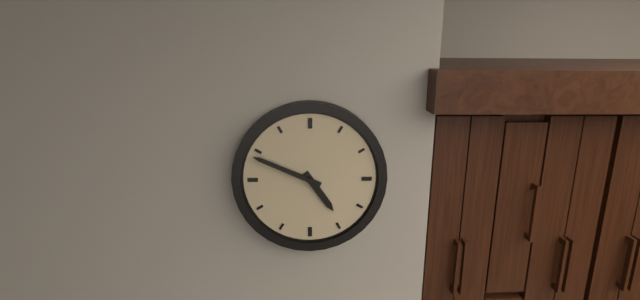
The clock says {"hour": 4, "minute": 49}
